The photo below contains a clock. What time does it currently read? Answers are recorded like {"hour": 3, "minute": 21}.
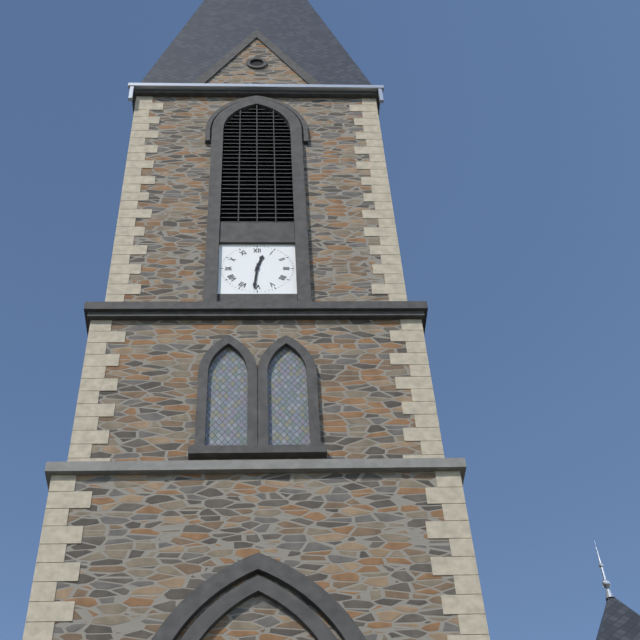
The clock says {"hour": 12, "minute": 31}
